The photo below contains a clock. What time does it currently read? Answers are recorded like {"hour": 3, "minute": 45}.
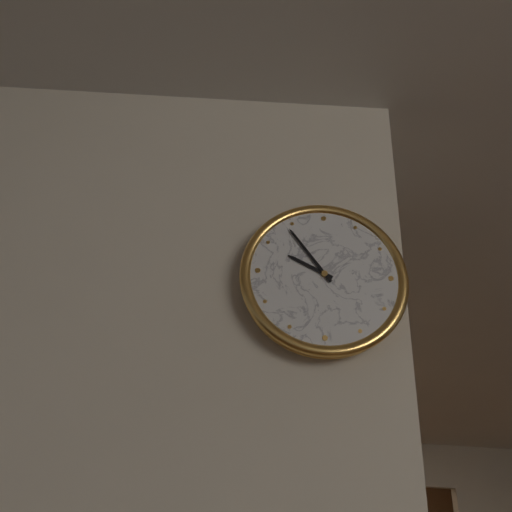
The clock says {"hour": 9, "minute": 54}
